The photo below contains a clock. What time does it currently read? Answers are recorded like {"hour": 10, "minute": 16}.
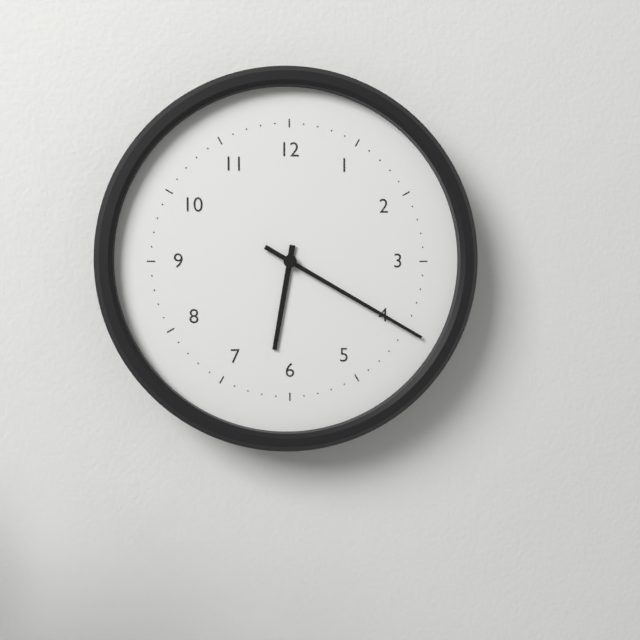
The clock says {"hour": 6, "minute": 20}
